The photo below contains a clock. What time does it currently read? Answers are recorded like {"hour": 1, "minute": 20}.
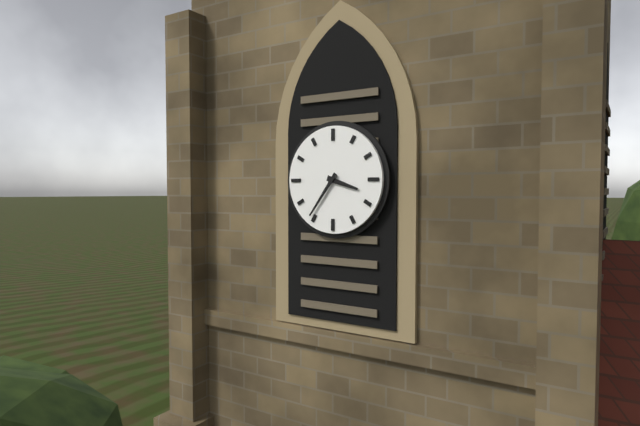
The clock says {"hour": 3, "minute": 36}
